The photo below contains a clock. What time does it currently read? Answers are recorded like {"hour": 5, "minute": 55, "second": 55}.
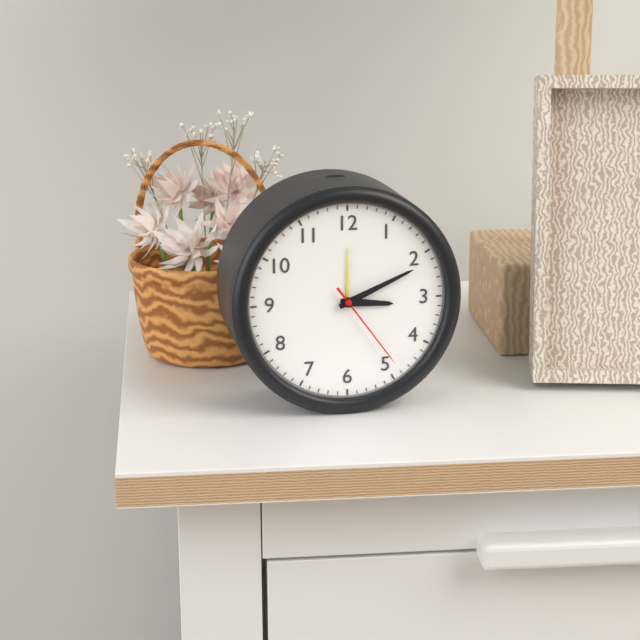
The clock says {"hour": 3, "minute": 11, "second": 24}
